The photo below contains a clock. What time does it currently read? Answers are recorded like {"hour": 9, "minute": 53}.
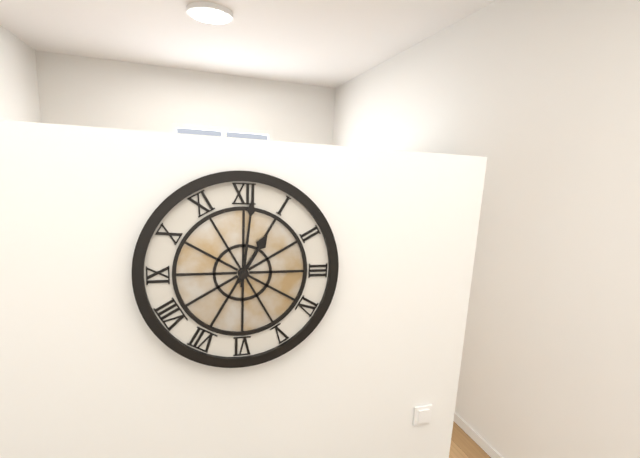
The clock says {"hour": 1, "minute": 1}
